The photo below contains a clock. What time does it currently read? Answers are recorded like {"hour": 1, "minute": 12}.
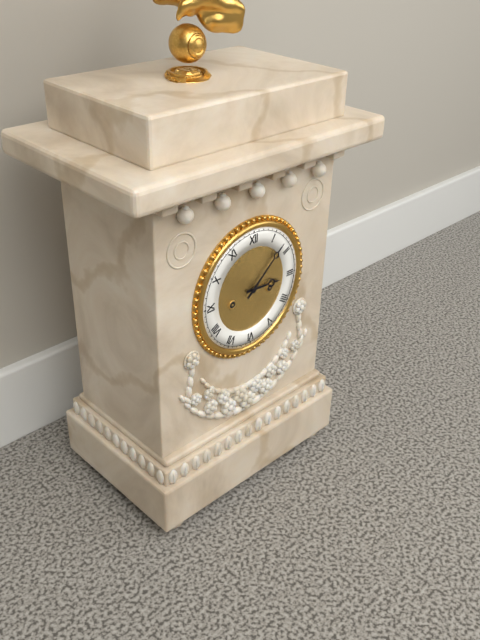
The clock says {"hour": 3, "minute": 8}
